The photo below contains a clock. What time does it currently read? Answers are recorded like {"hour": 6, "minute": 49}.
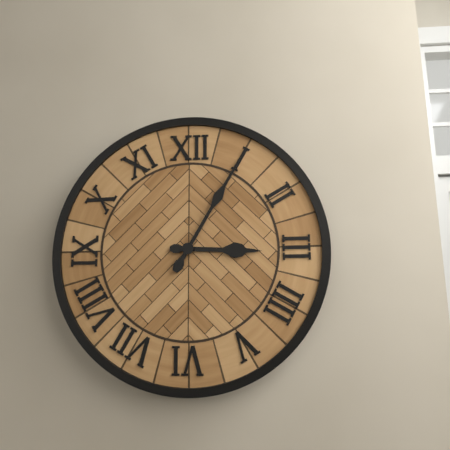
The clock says {"hour": 3, "minute": 5}
